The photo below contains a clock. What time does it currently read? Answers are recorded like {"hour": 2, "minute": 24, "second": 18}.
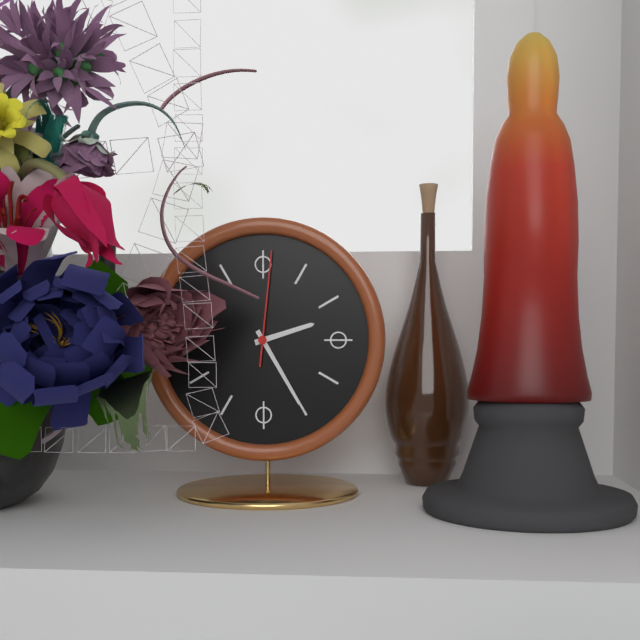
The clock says {"hour": 2, "minute": 25, "second": 1}
